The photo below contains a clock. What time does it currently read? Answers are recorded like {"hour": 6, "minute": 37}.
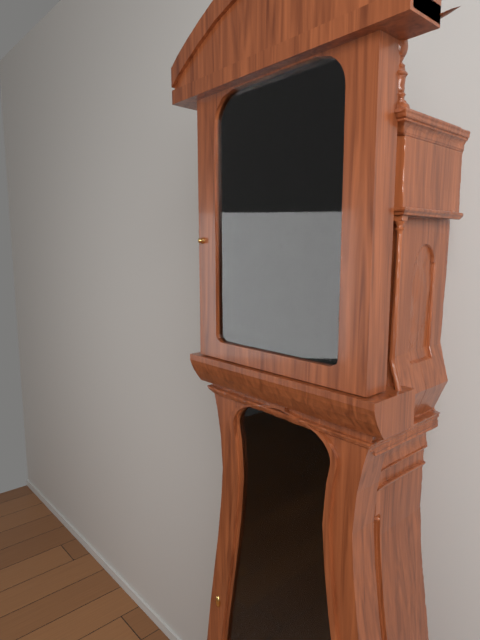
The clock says {"hour": 7, "minute": 36}
